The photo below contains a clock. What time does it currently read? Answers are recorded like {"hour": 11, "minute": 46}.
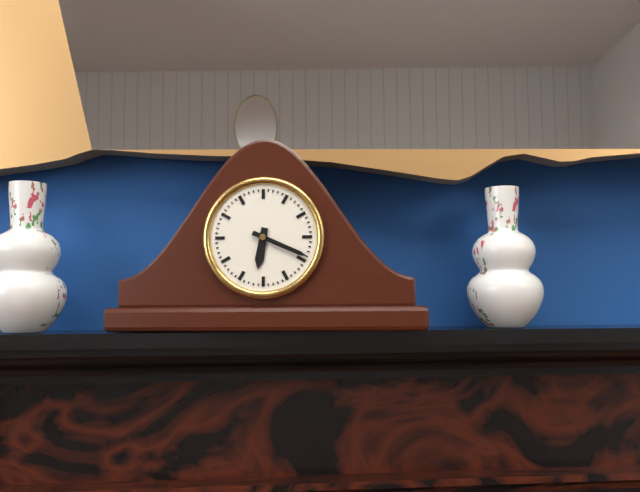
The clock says {"hour": 6, "minute": 19}
